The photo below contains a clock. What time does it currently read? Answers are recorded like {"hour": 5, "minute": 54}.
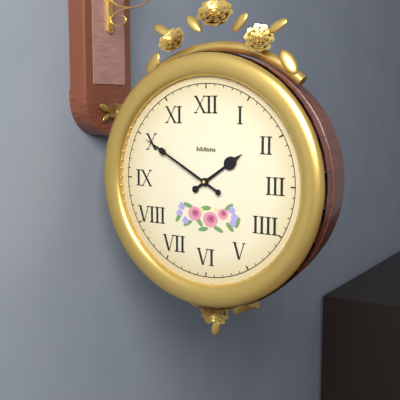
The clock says {"hour": 1, "minute": 50}
